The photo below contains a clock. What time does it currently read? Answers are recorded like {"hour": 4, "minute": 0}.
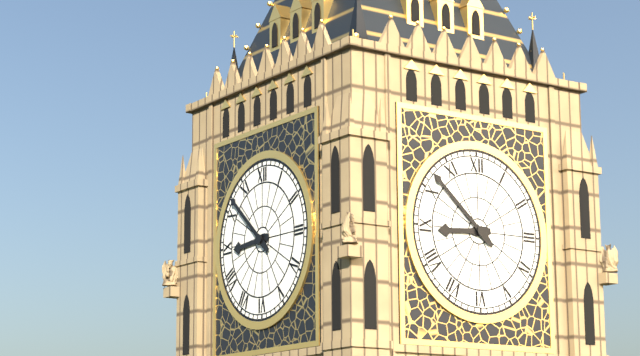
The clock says {"hour": 8, "minute": 52}
